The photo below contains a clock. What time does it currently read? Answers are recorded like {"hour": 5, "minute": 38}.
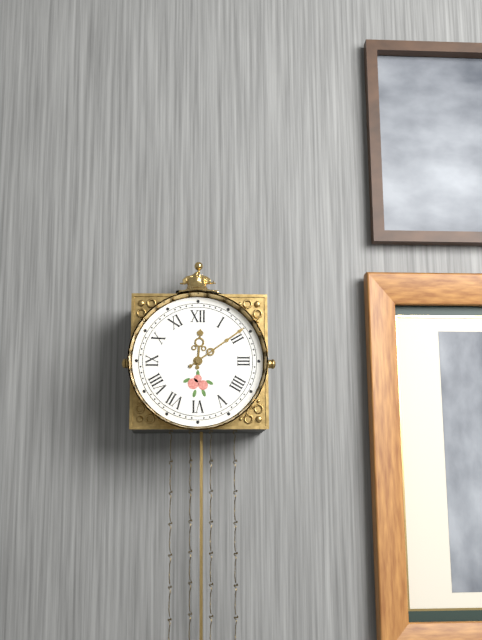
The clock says {"hour": 12, "minute": 9}
